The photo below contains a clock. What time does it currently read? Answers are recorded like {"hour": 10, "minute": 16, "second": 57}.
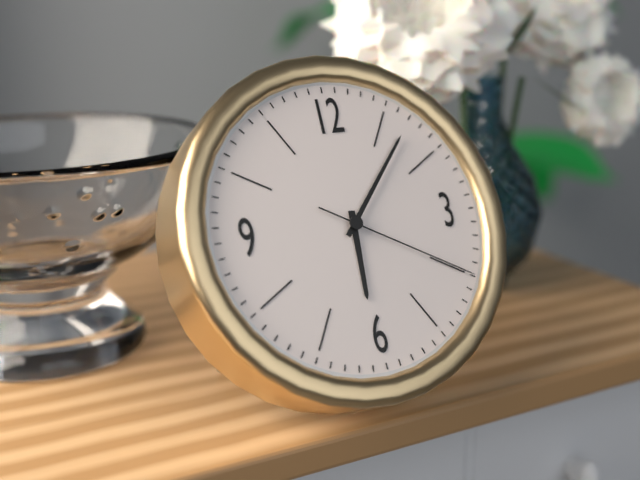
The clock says {"hour": 6, "minute": 7, "second": 20}
